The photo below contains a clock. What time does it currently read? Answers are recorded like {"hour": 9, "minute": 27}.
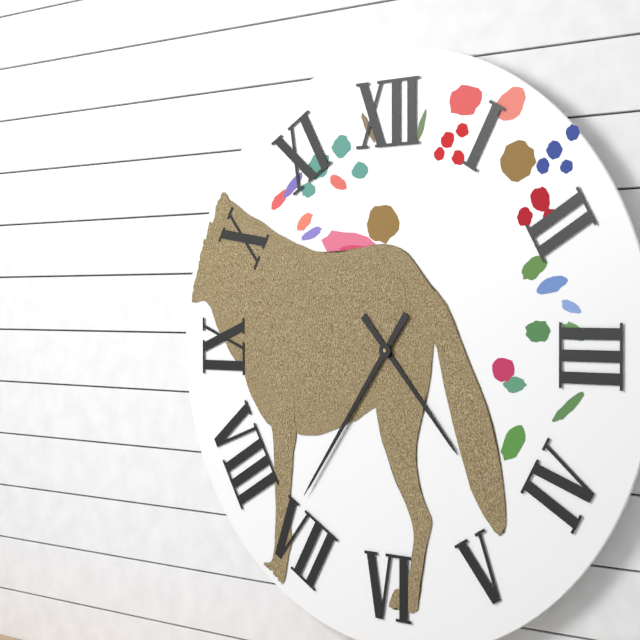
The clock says {"hour": 4, "minute": 36}
